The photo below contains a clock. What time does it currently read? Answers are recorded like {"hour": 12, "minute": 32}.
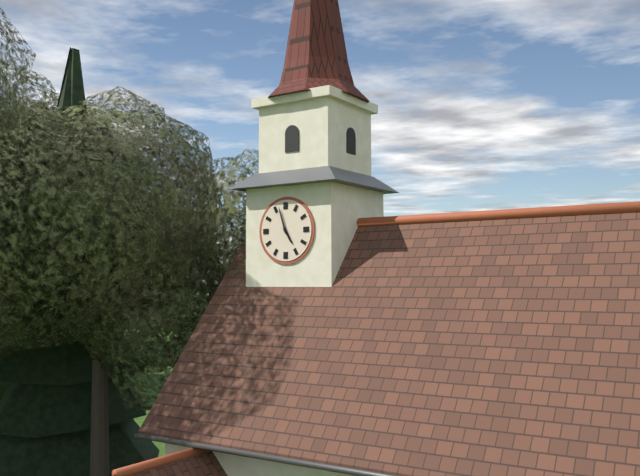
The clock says {"hour": 4, "minute": 57}
